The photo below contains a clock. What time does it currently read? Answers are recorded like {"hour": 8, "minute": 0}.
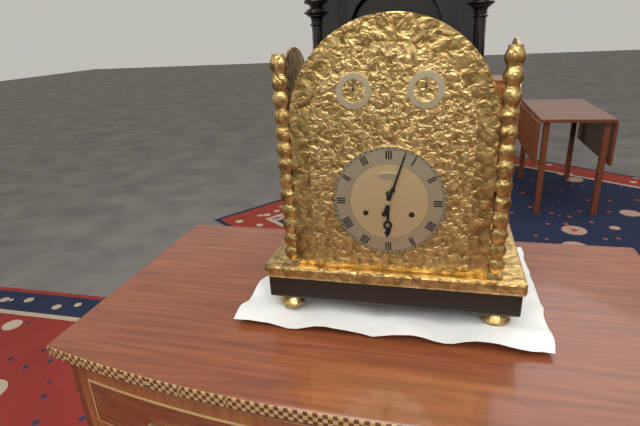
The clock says {"hour": 6, "minute": 3}
